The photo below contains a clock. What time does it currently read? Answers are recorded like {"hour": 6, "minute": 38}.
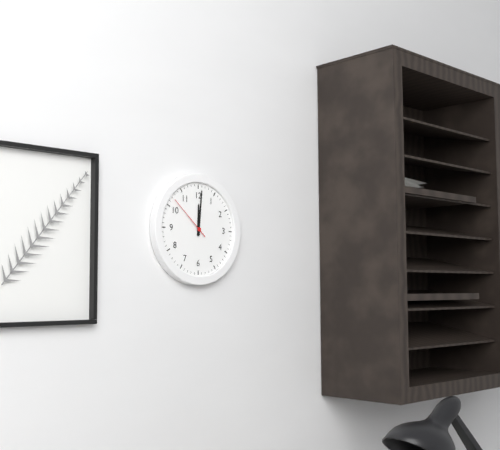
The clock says {"hour": 12, "minute": 1}
